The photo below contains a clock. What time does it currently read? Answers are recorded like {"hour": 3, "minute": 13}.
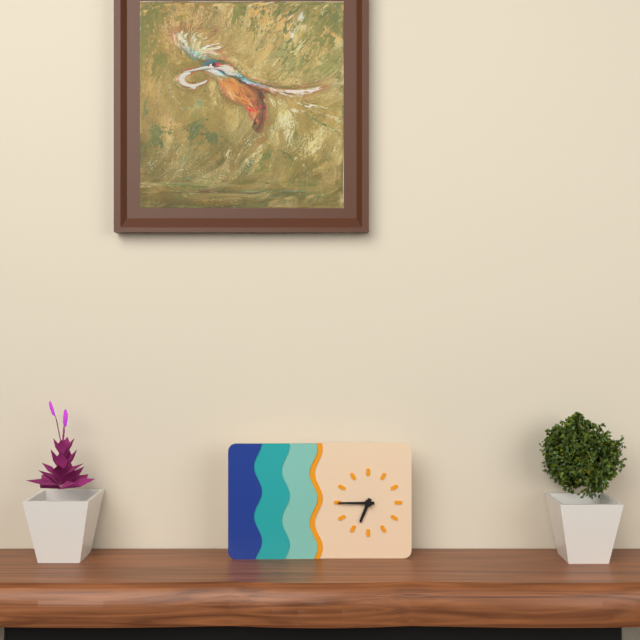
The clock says {"hour": 6, "minute": 45}
